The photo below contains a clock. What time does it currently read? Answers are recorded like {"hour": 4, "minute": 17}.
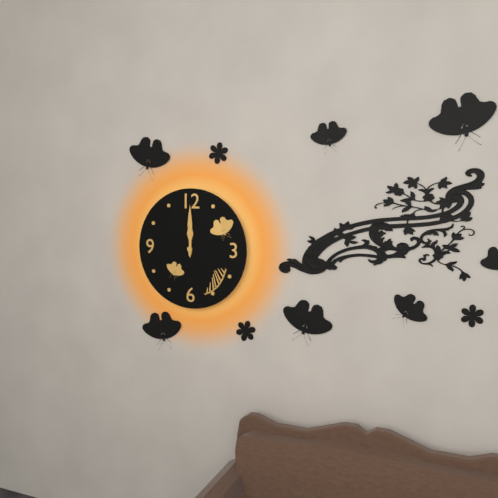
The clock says {"hour": 12, "minute": 0}
